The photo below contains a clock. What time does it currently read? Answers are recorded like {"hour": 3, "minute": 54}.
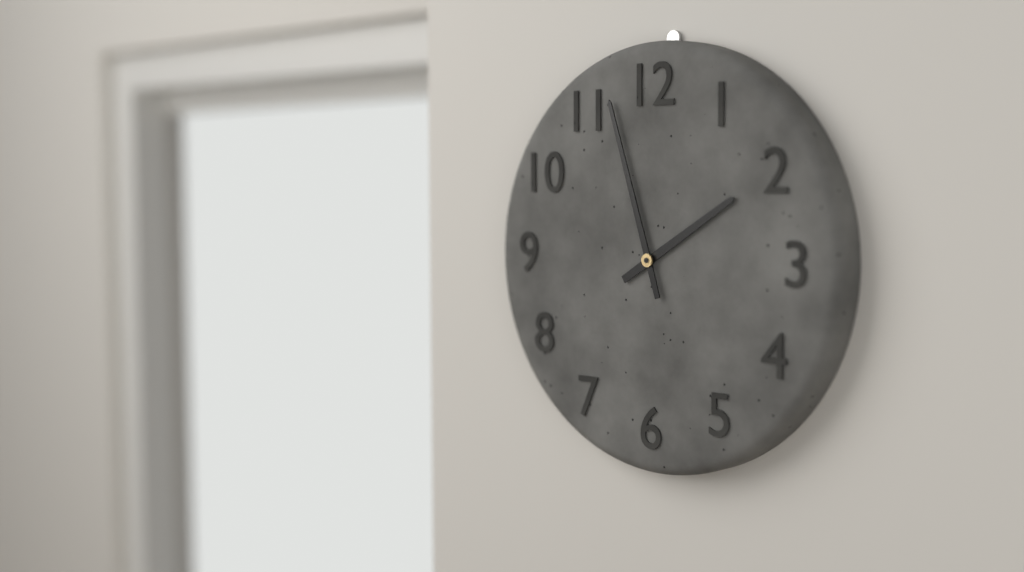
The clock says {"hour": 1, "minute": 57}
